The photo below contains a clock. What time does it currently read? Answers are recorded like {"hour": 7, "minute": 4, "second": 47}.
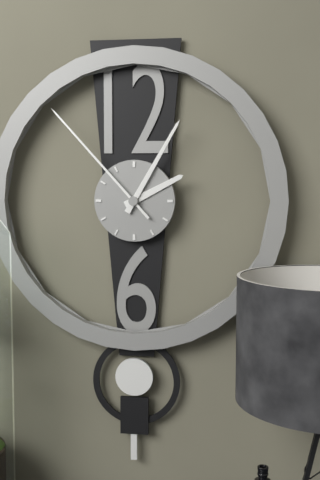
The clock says {"hour": 2, "minute": 5, "second": 53}
